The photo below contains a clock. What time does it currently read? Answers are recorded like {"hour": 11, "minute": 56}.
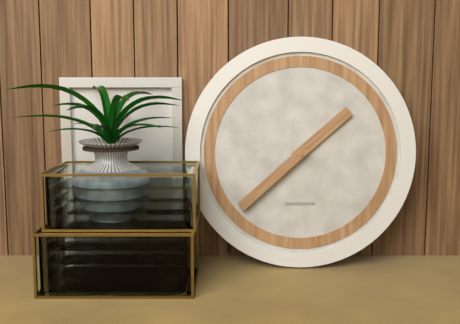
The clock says {"hour": 1, "minute": 38}
